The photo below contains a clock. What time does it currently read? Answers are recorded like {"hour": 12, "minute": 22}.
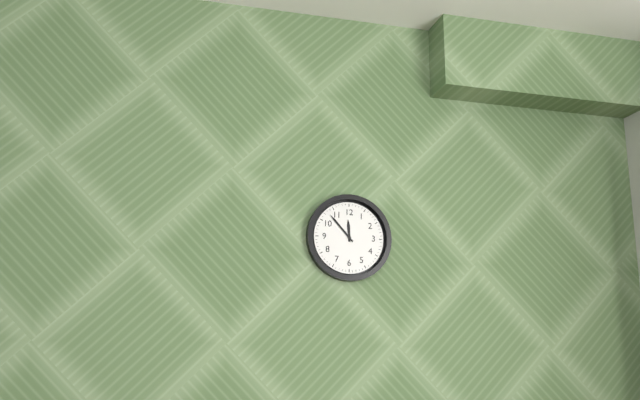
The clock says {"hour": 11, "minute": 53}
